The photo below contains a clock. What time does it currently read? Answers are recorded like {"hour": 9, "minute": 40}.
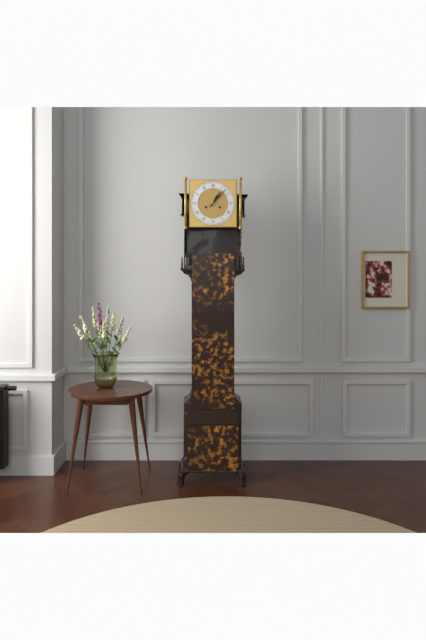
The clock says {"hour": 1, "minute": 7}
